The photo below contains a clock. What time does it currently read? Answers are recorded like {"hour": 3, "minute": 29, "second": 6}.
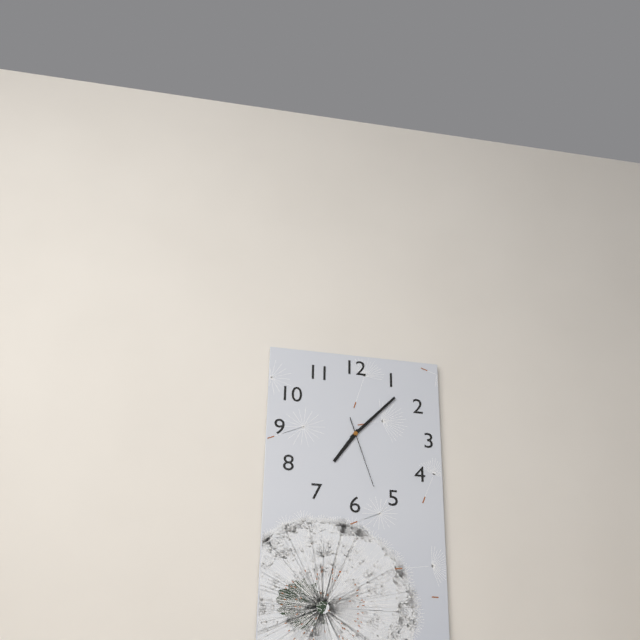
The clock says {"hour": 7, "minute": 7, "second": 27}
